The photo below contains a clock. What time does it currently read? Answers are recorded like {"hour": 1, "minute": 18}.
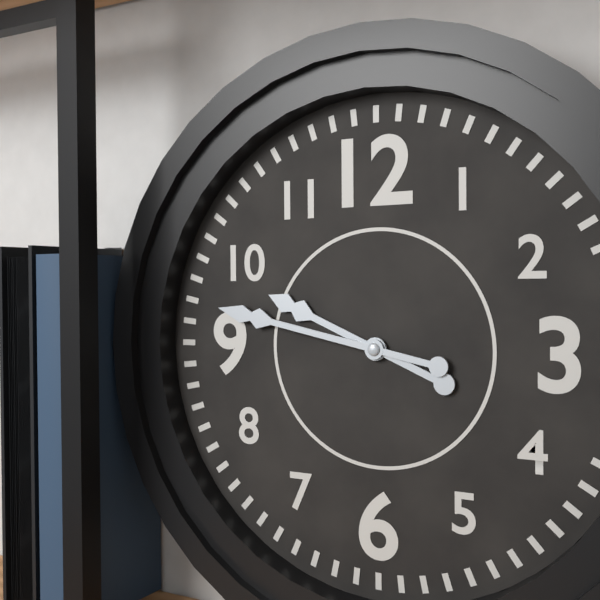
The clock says {"hour": 9, "minute": 47}
